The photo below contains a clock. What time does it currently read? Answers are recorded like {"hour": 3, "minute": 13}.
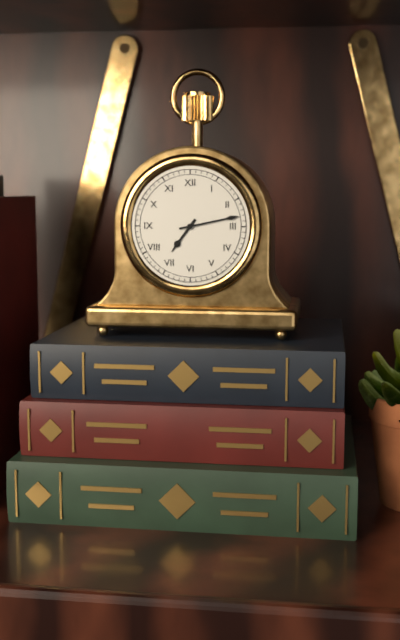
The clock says {"hour": 7, "minute": 13}
